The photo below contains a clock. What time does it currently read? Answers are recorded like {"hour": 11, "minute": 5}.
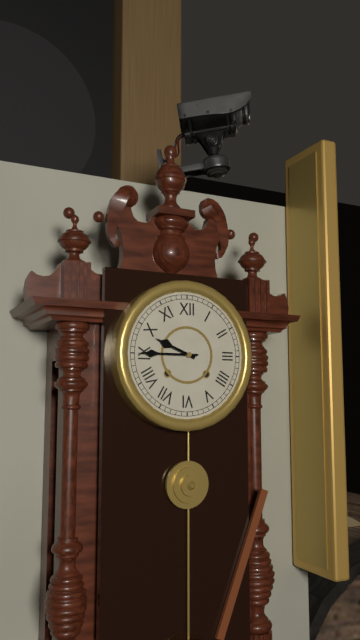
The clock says {"hour": 9, "minute": 45}
